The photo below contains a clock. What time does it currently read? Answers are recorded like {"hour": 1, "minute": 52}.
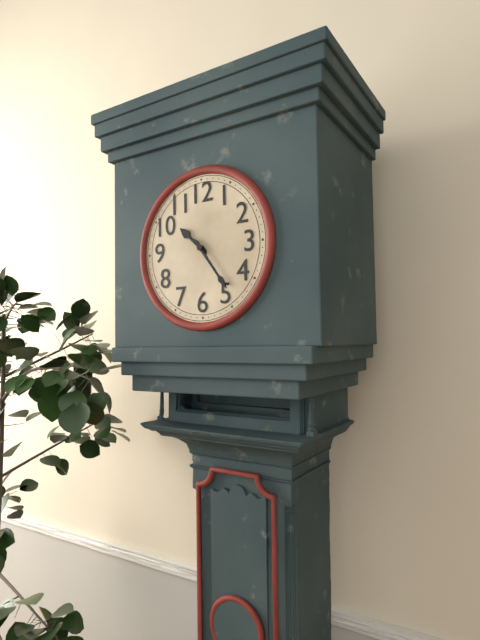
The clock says {"hour": 10, "minute": 24}
